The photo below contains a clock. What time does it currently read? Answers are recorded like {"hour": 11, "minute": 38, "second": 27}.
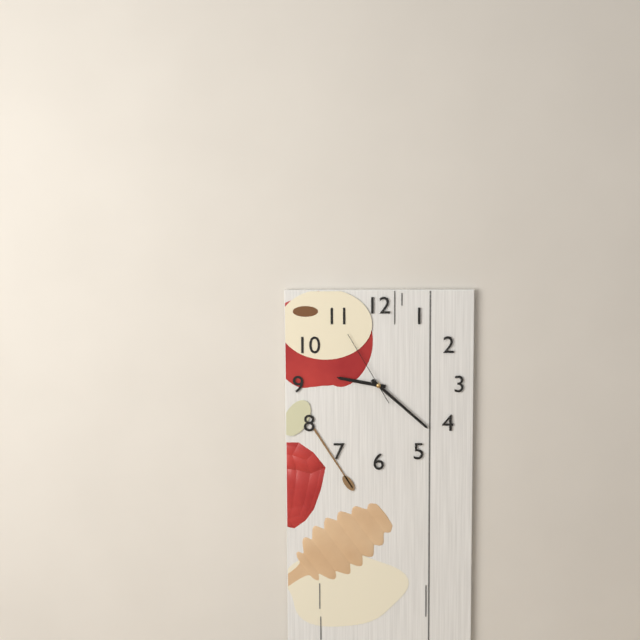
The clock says {"hour": 9, "minute": 22, "second": 55}
